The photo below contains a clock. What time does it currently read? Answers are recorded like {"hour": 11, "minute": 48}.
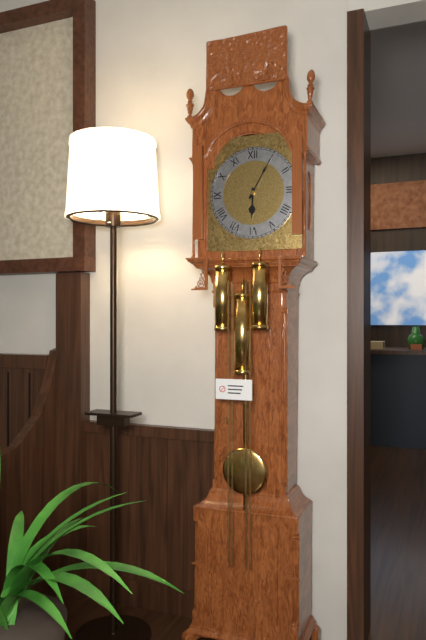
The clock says {"hour": 6, "minute": 5}
